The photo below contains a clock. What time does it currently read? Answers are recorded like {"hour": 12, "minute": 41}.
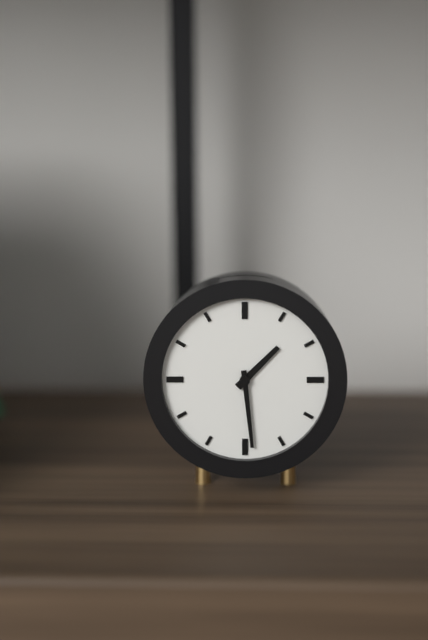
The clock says {"hour": 1, "minute": 29}
